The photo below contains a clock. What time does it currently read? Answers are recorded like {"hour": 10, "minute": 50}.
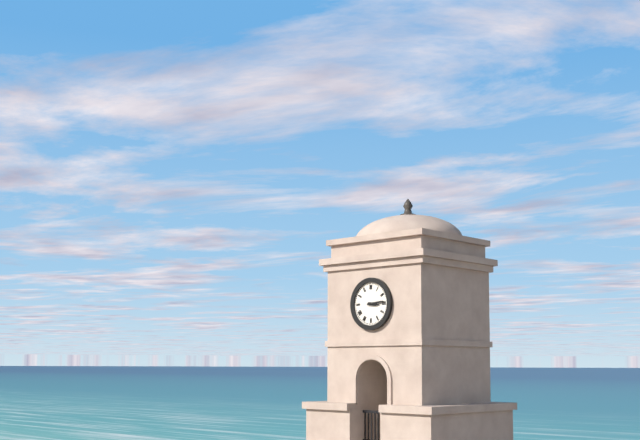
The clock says {"hour": 3, "minute": 14}
